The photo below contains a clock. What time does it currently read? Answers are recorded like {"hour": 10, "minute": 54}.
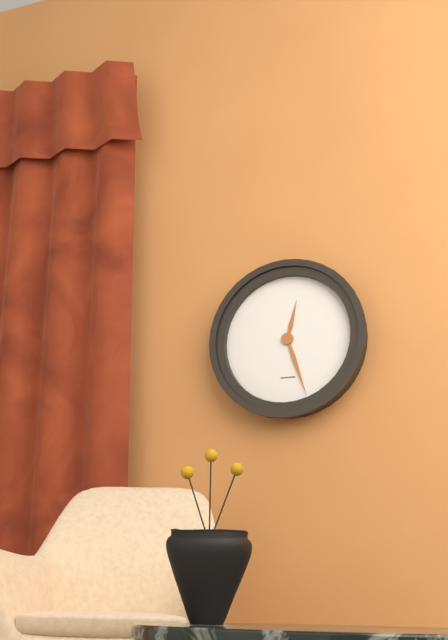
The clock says {"hour": 12, "minute": 27}
